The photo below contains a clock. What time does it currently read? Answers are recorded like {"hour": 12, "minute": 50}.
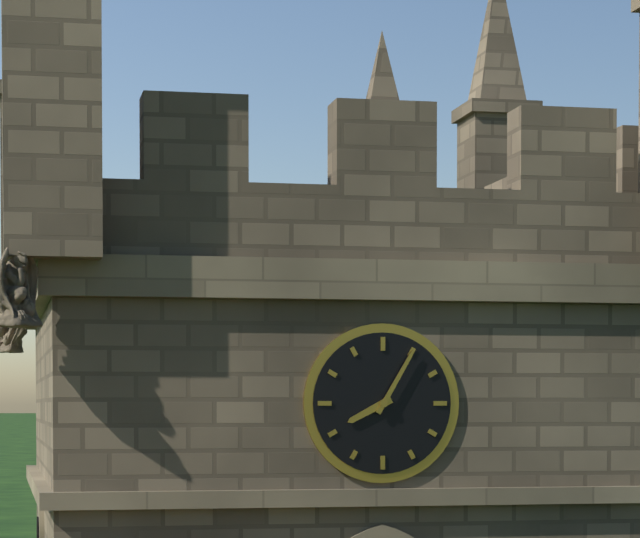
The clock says {"hour": 8, "minute": 5}
